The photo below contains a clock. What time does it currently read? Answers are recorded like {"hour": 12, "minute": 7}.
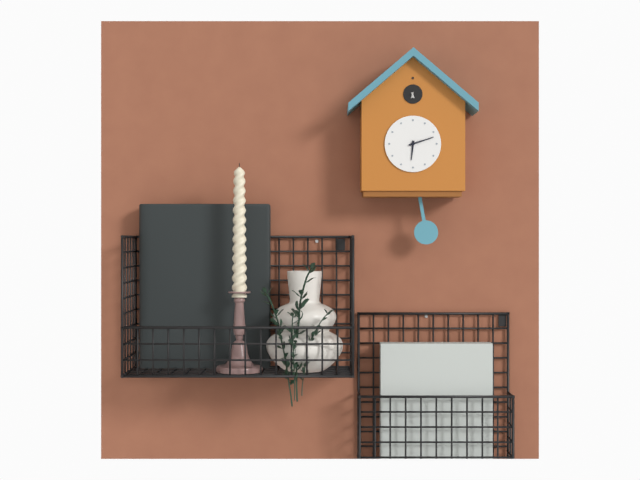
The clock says {"hour": 6, "minute": 12}
